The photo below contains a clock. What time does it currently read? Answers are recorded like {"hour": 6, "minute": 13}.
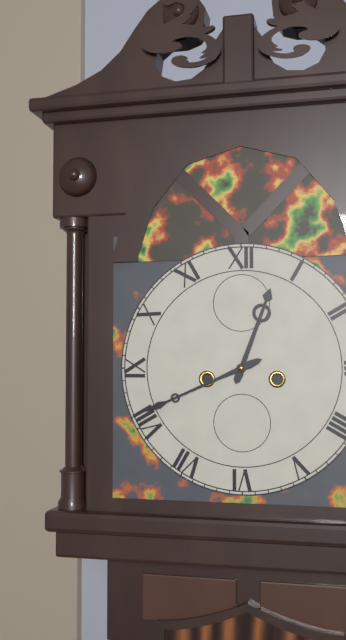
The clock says {"hour": 12, "minute": 41}
